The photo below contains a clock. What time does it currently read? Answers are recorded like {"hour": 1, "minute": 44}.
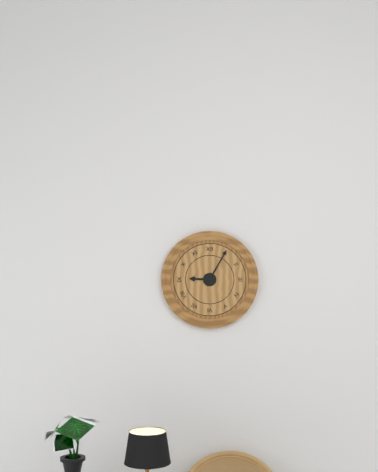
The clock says {"hour": 9, "minute": 5}
